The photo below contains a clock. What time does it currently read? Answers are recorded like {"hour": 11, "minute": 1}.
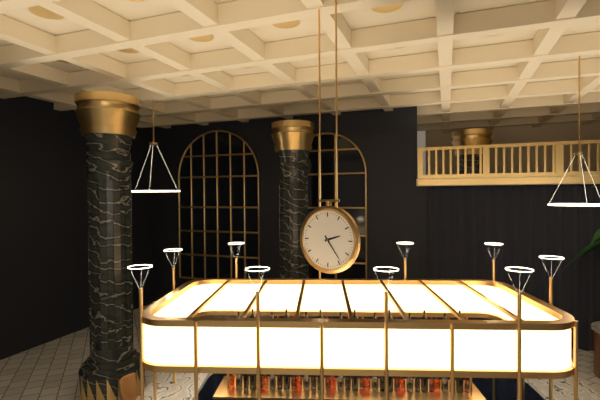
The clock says {"hour": 2, "minute": 24}
